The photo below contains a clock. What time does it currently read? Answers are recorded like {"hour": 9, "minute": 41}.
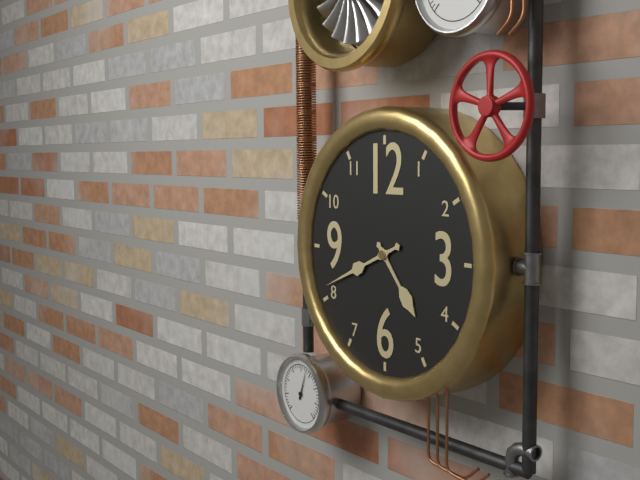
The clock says {"hour": 4, "minute": 41}
